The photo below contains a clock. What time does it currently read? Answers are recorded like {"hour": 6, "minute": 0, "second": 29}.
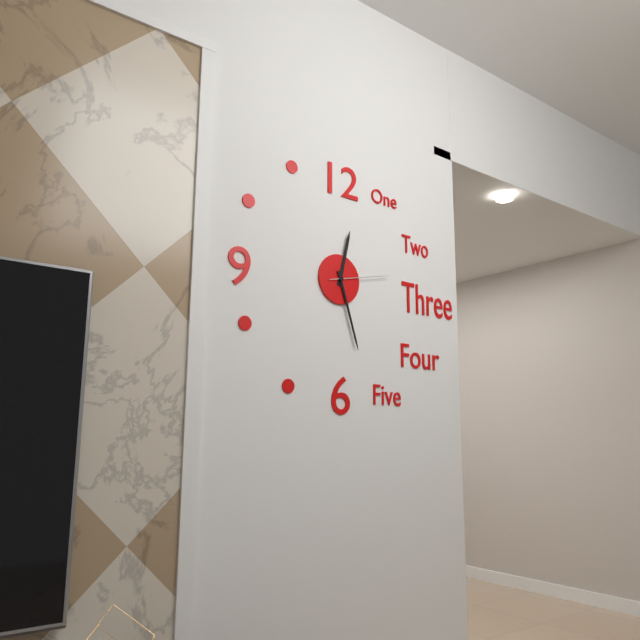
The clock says {"hour": 12, "minute": 27, "second": 13}
